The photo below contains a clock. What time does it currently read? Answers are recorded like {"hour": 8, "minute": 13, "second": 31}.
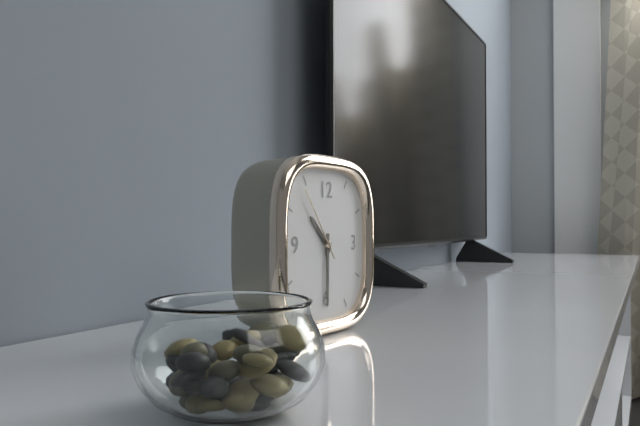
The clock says {"hour": 10, "minute": 30, "second": 54}
